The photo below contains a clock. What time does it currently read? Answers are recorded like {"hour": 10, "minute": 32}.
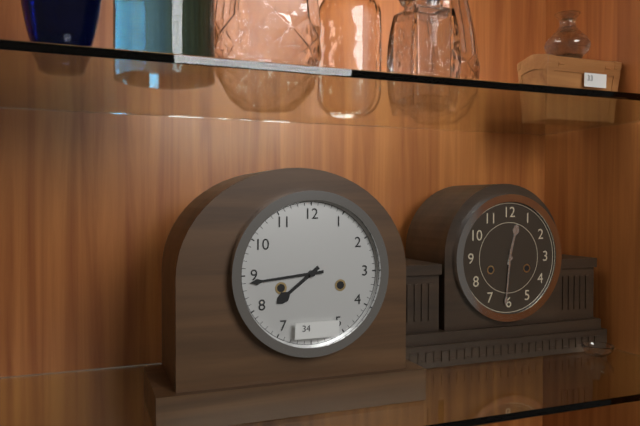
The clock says {"hour": 7, "minute": 44}
